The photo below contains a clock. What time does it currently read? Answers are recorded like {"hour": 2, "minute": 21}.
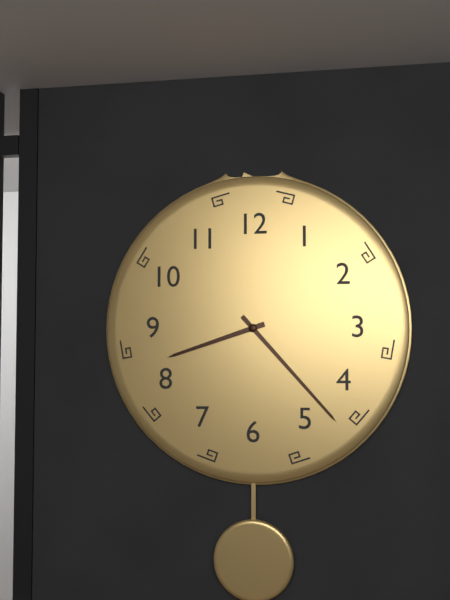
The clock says {"hour": 8, "minute": 23}
